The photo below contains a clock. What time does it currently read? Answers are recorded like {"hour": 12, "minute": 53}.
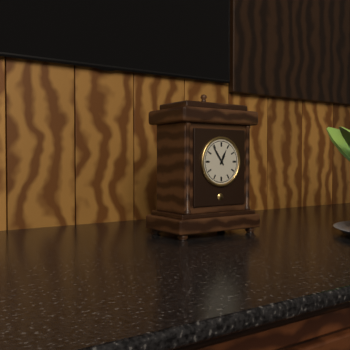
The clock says {"hour": 12, "minute": 54}
